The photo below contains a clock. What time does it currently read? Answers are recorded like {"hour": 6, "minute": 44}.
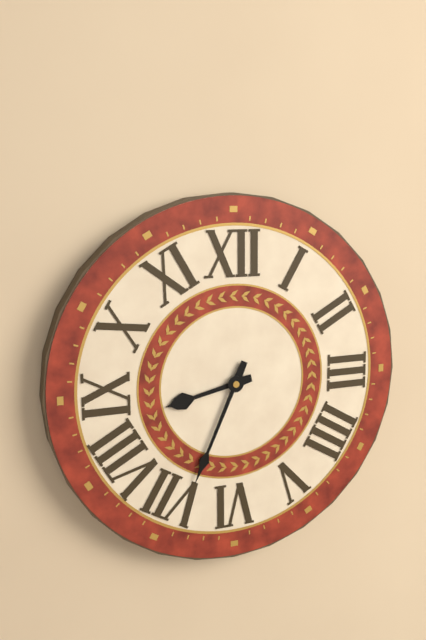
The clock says {"hour": 8, "minute": 34}
